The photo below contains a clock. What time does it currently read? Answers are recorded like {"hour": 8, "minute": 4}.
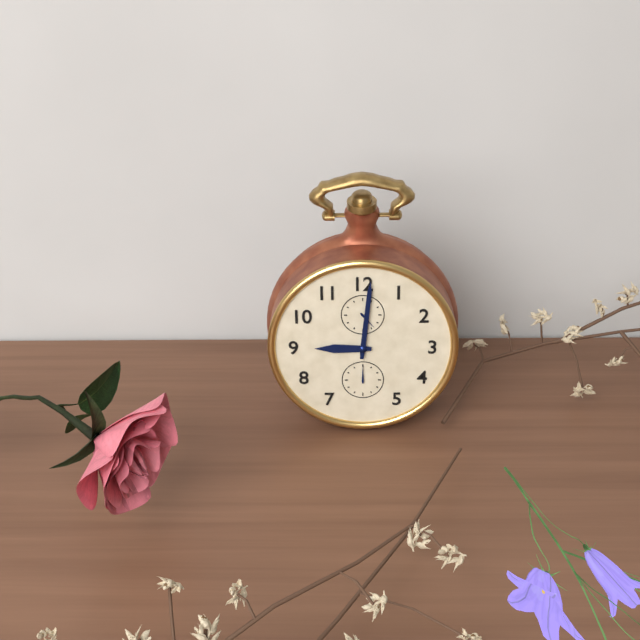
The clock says {"hour": 9, "minute": 1}
